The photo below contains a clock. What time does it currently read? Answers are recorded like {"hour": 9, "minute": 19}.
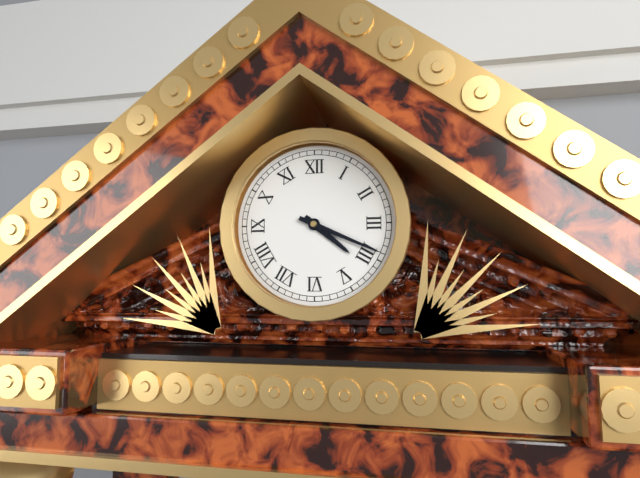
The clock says {"hour": 4, "minute": 19}
